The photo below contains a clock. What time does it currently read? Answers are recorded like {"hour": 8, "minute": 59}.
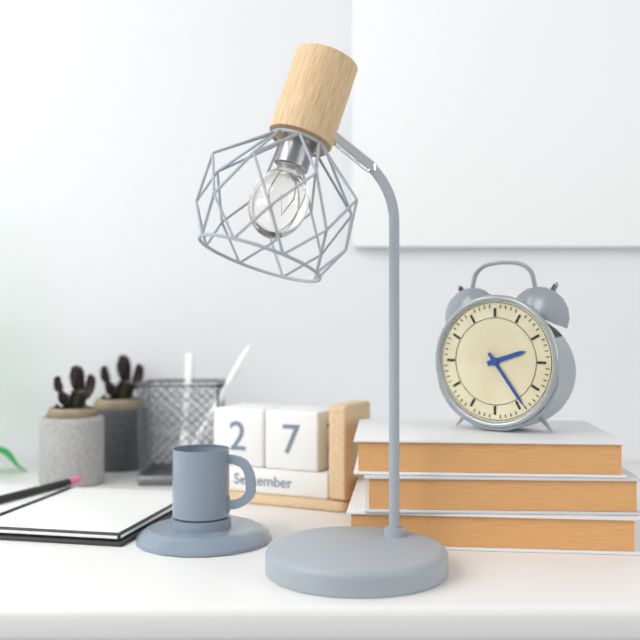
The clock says {"hour": 2, "minute": 24}
